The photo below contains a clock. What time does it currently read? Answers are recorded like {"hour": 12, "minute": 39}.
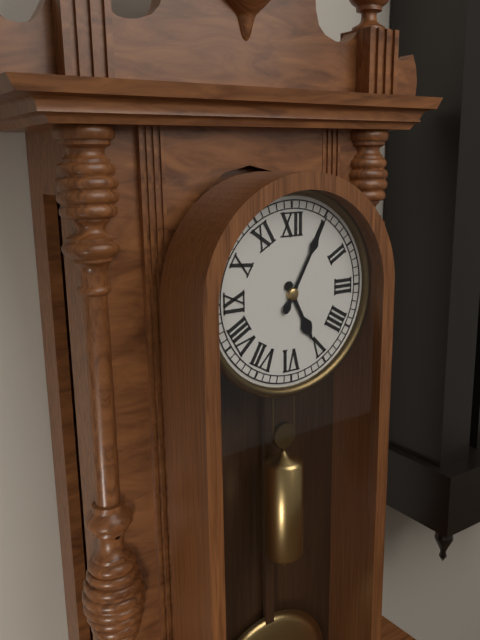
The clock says {"hour": 5, "minute": 5}
